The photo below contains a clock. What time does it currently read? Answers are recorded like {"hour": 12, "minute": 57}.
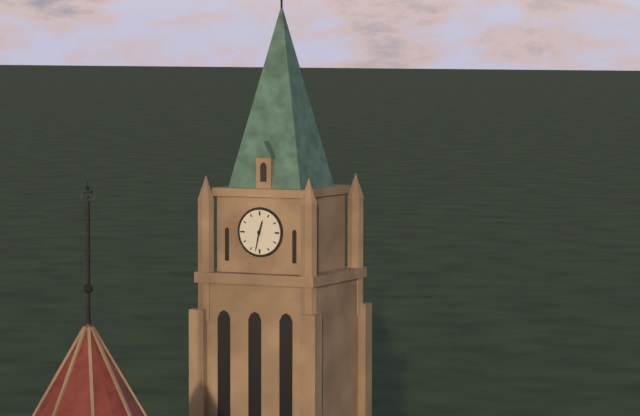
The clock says {"hour": 12, "minute": 32}
